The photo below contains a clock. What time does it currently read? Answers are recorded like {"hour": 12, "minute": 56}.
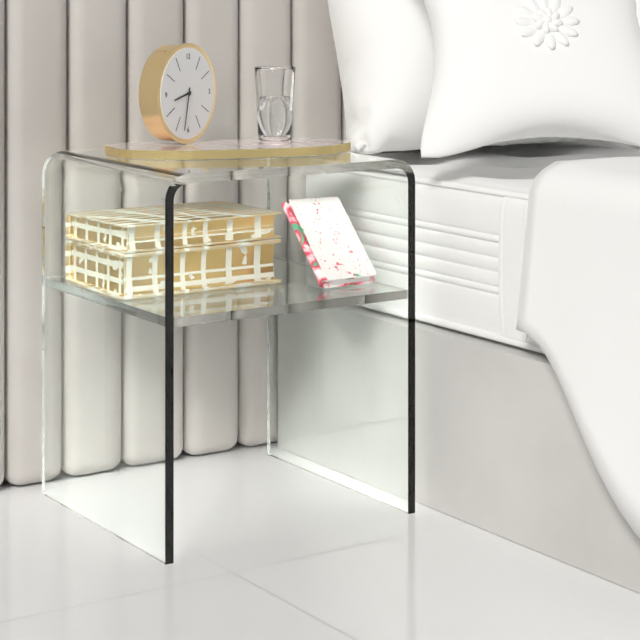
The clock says {"hour": 8, "minute": 32}
